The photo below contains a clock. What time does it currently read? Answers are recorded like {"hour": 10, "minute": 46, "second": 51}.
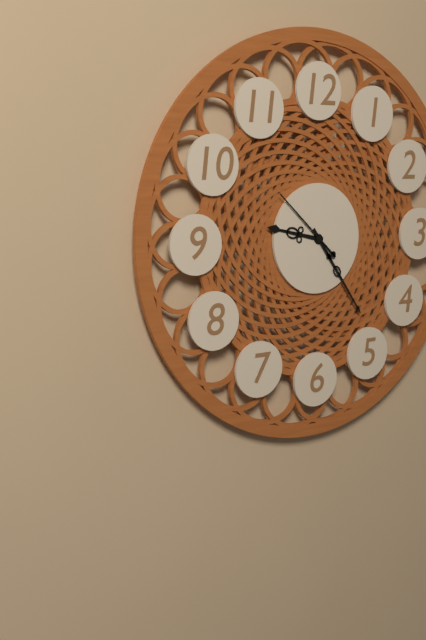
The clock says {"hour": 9, "minute": 24, "second": 52}
